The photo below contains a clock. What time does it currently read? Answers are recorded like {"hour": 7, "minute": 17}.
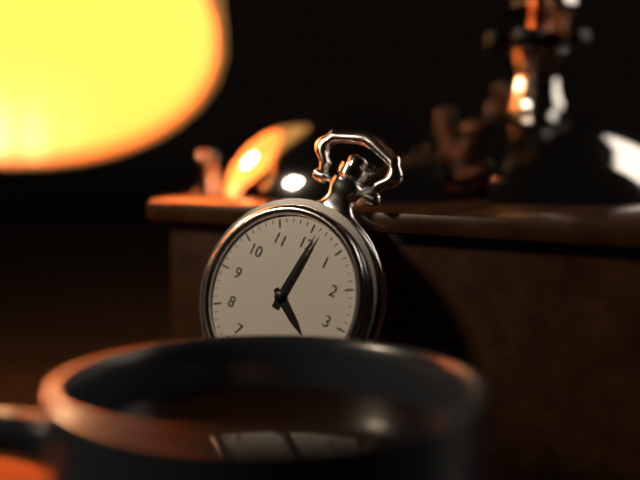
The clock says {"hour": 4, "minute": 1}
